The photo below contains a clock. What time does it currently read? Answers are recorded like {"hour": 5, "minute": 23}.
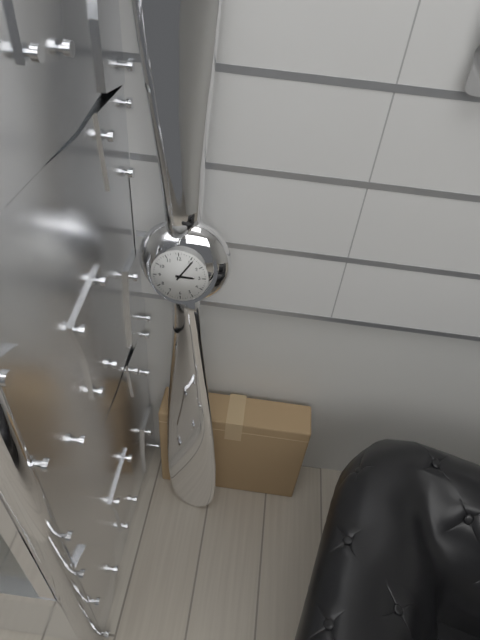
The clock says {"hour": 3, "minute": 6}
